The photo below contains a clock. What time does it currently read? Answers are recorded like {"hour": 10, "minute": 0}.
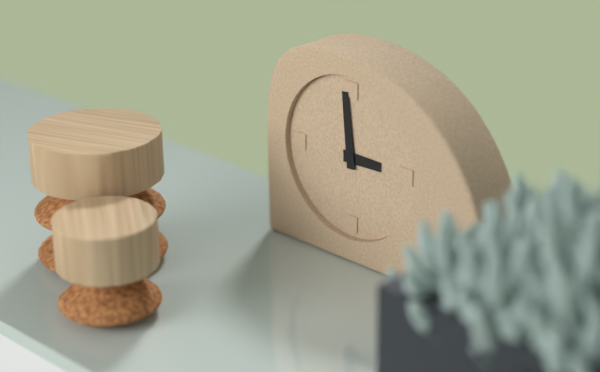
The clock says {"hour": 2, "minute": 59}
